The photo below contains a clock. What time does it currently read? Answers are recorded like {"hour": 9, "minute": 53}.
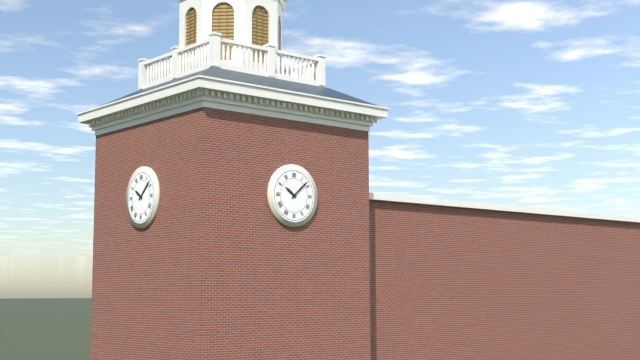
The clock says {"hour": 10, "minute": 8}
